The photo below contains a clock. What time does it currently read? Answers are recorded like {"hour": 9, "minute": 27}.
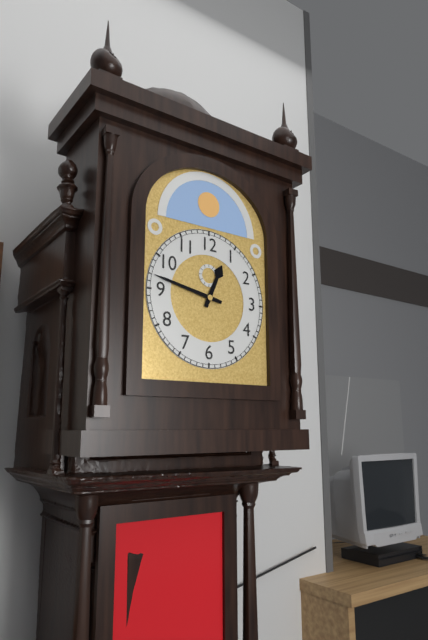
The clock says {"hour": 12, "minute": 47}
